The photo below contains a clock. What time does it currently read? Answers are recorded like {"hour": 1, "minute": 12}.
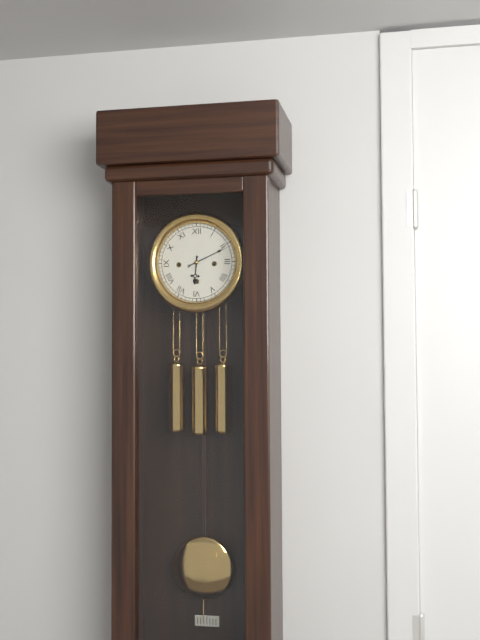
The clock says {"hour": 6, "minute": 11}
